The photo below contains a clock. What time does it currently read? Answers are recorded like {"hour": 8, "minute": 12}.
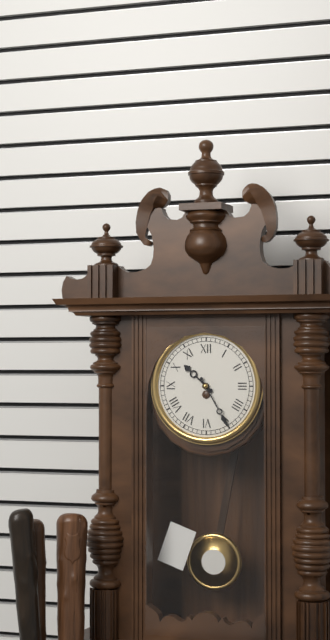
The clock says {"hour": 10, "minute": 25}
